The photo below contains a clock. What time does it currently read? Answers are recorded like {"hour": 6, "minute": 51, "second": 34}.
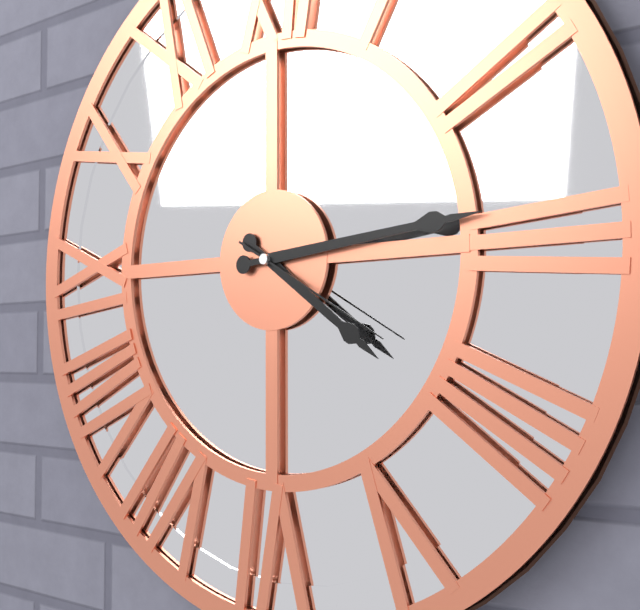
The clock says {"hour": 4, "minute": 14, "second": 20}
